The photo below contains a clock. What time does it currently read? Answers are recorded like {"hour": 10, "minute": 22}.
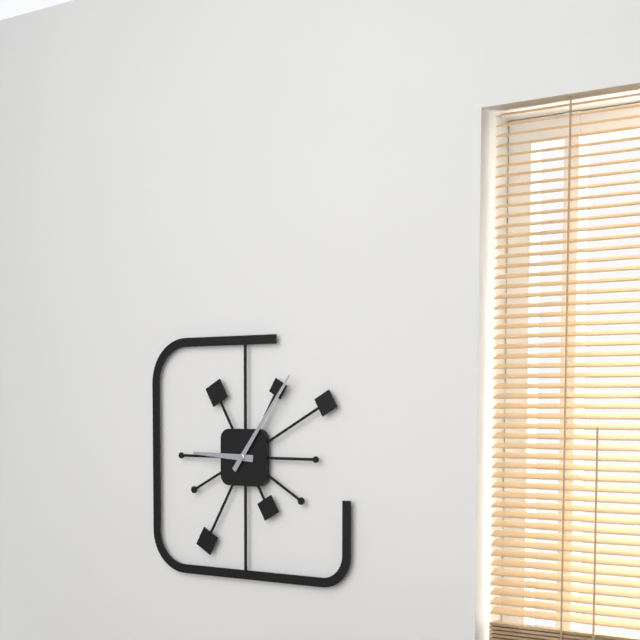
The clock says {"hour": 9, "minute": 6}
